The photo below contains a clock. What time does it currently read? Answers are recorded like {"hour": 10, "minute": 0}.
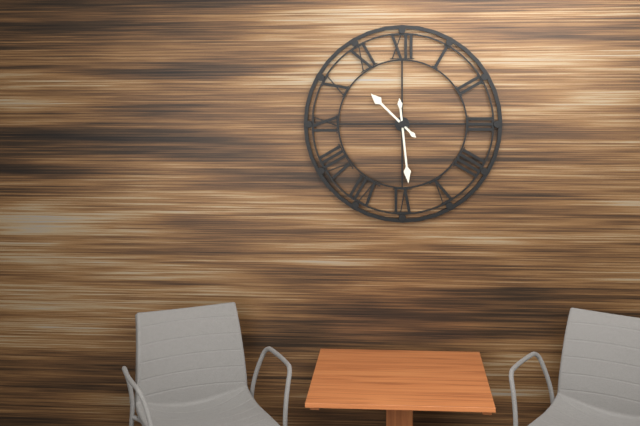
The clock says {"hour": 10, "minute": 29}
